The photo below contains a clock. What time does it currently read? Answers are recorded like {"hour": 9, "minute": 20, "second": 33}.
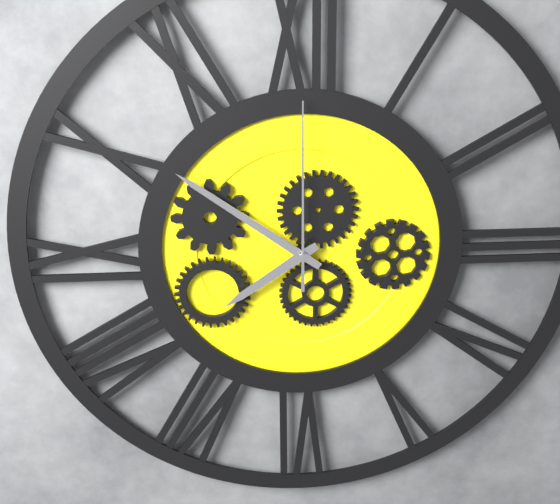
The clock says {"hour": 7, "minute": 51, "second": 0}
